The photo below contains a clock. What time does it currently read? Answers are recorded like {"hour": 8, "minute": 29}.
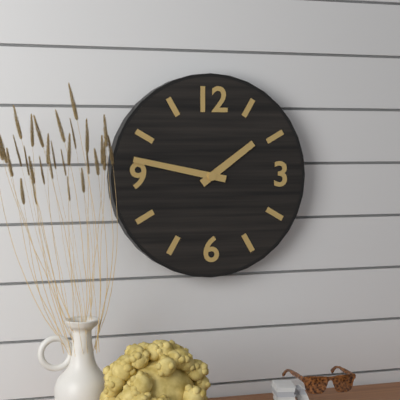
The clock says {"hour": 1, "minute": 47}
